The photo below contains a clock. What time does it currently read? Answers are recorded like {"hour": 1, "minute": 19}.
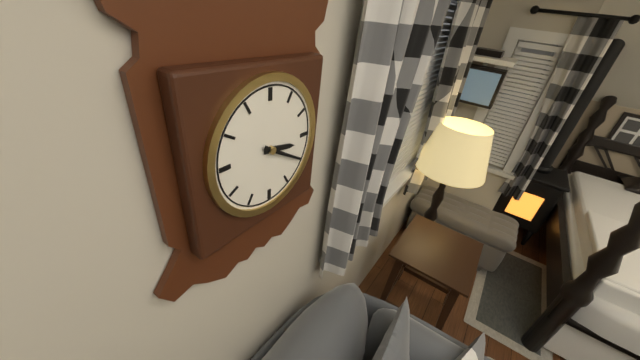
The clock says {"hour": 3, "minute": 20}
